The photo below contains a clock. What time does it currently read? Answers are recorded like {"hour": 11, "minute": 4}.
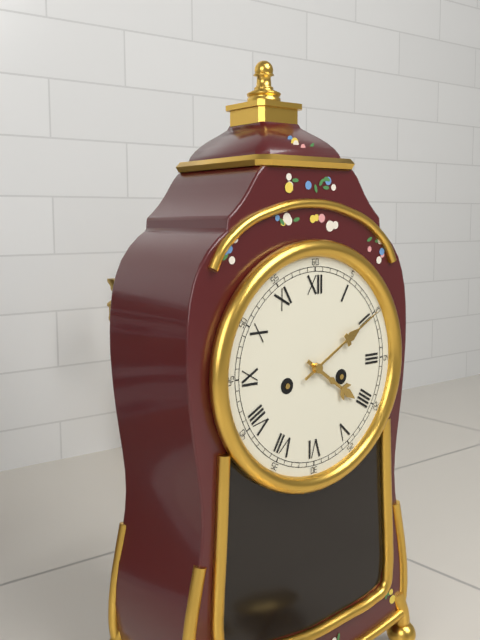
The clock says {"hour": 4, "minute": 10}
